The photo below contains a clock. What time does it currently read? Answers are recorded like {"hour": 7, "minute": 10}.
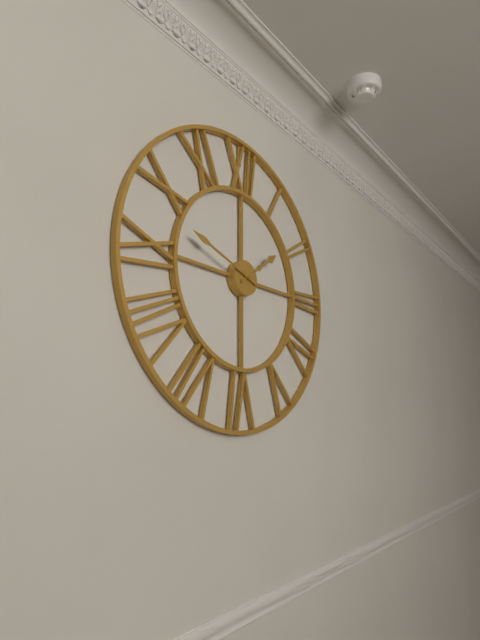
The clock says {"hour": 1, "minute": 48}
